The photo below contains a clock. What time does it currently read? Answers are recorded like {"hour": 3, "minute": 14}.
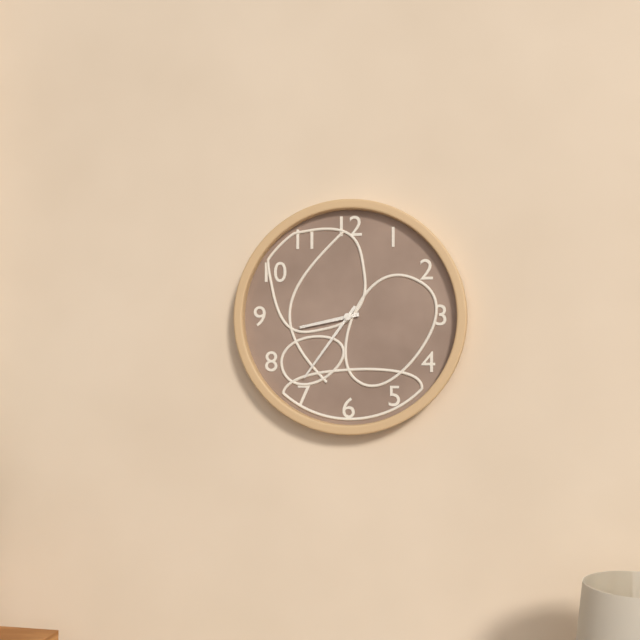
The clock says {"hour": 8, "minute": 36}
